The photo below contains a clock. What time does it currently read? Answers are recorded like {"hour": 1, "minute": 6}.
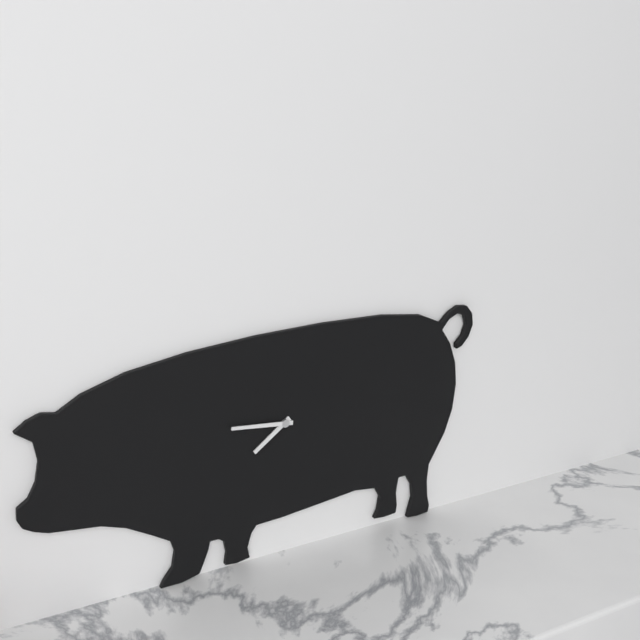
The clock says {"hour": 7, "minute": 46}
